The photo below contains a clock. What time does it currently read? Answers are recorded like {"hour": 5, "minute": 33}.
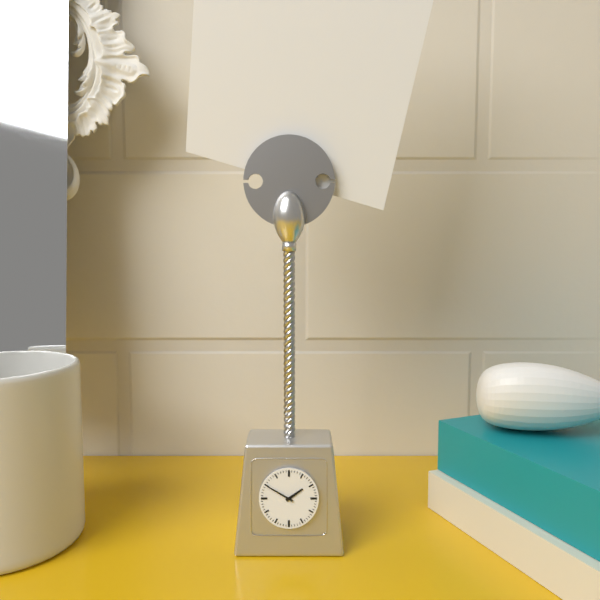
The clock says {"hour": 1, "minute": 50}
